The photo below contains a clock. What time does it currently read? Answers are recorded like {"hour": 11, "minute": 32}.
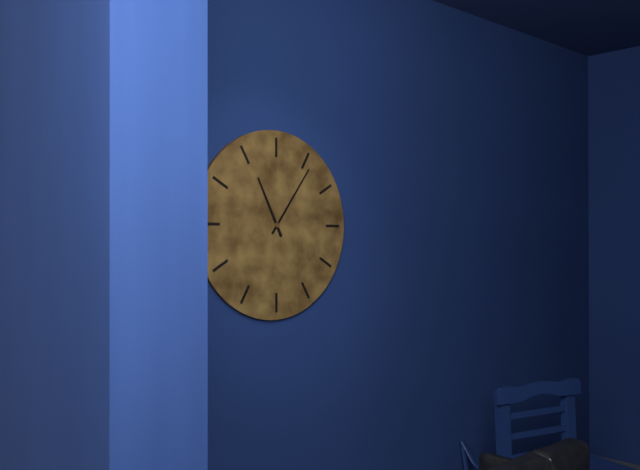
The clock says {"hour": 11, "minute": 6}
